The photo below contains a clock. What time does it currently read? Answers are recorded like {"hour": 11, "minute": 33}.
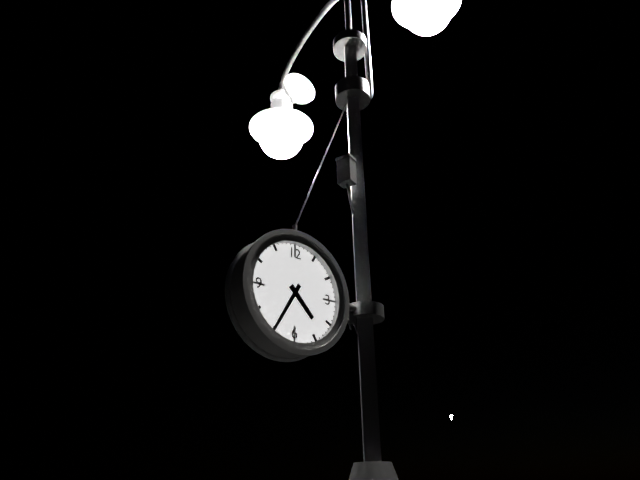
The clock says {"hour": 4, "minute": 35}
